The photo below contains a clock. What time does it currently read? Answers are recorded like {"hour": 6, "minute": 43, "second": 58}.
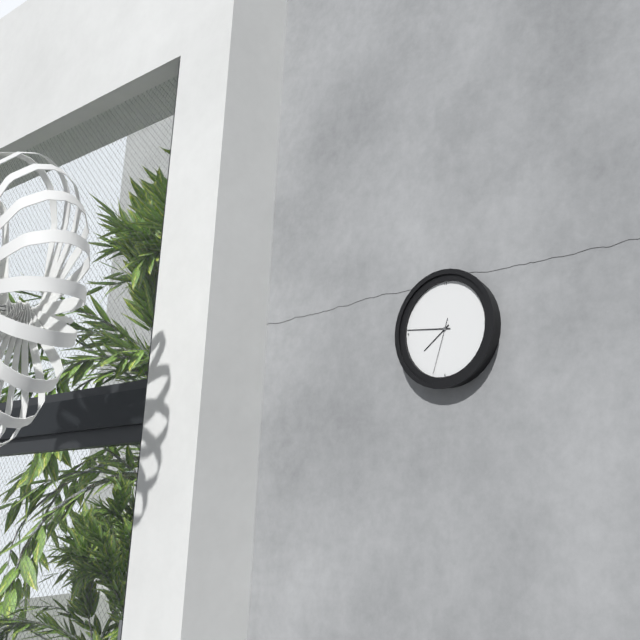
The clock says {"hour": 7, "minute": 46, "second": 33}
